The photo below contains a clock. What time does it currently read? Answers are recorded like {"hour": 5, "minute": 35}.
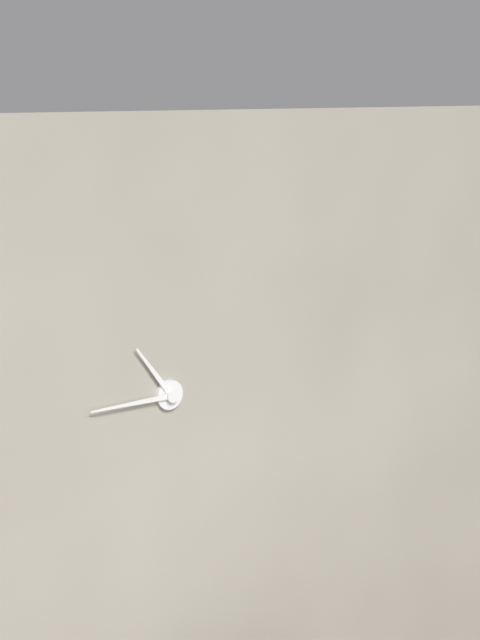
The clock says {"hour": 10, "minute": 45}
